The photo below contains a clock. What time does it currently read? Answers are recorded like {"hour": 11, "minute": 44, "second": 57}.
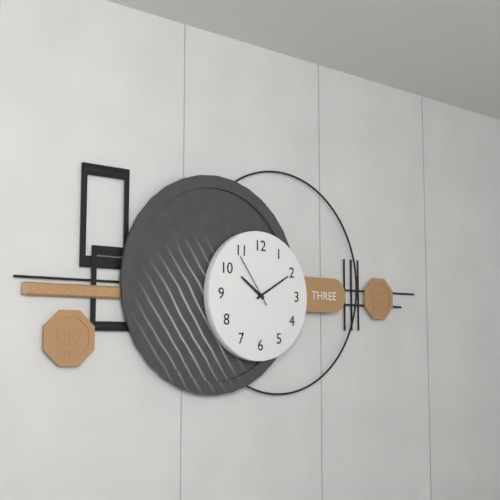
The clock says {"hour": 10, "minute": 10, "second": 54}
